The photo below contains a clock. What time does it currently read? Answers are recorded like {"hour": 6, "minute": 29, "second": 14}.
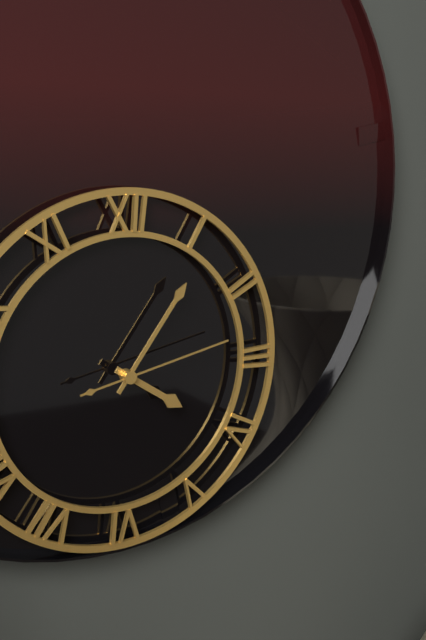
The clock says {"hour": 4, "minute": 6, "second": 13}
